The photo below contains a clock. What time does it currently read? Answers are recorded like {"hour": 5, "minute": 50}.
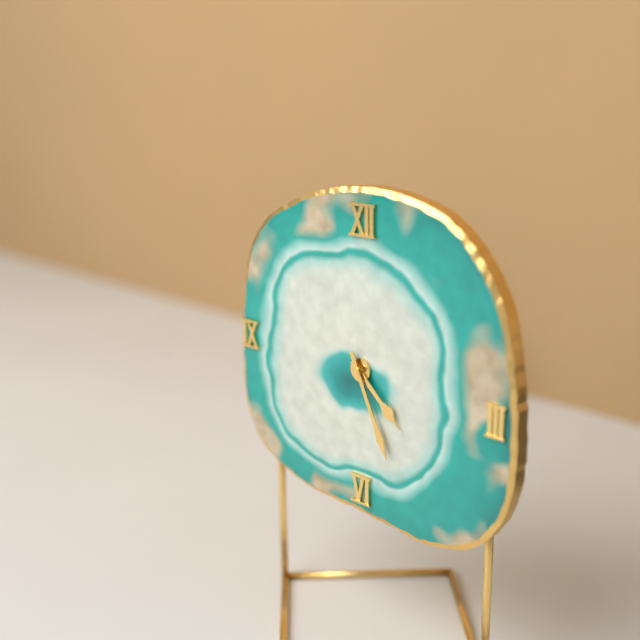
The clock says {"hour": 4, "minute": 26}
